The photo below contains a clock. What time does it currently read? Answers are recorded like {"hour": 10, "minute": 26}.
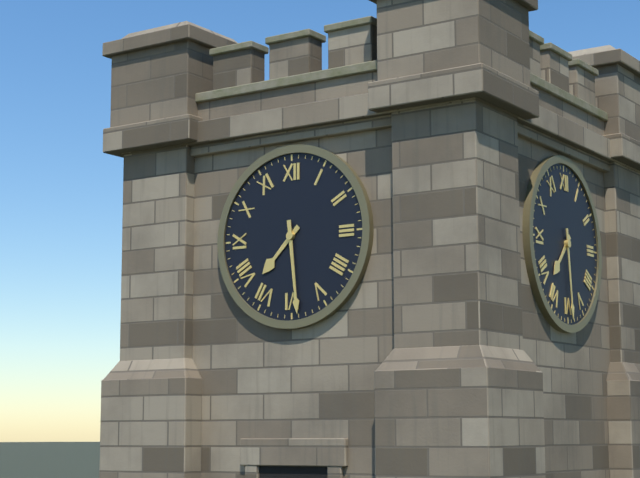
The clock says {"hour": 7, "minute": 29}
